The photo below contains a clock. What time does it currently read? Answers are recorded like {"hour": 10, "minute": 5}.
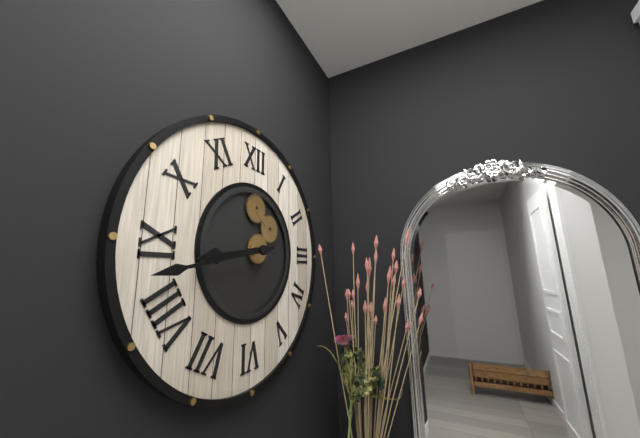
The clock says {"hour": 8, "minute": 43}
